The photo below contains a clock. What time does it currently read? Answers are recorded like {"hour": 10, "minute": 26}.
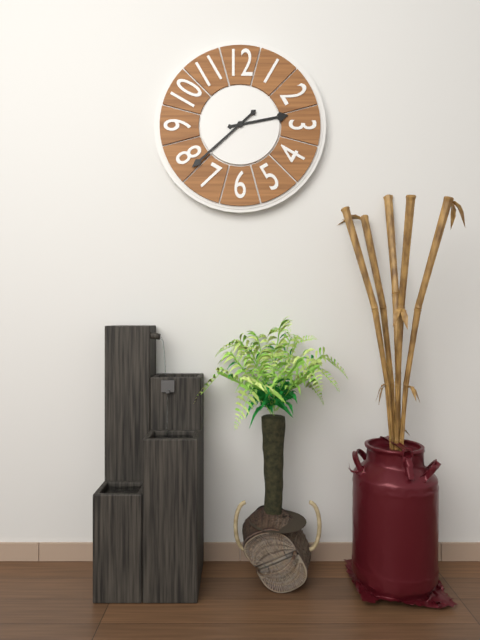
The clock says {"hour": 2, "minute": 38}
